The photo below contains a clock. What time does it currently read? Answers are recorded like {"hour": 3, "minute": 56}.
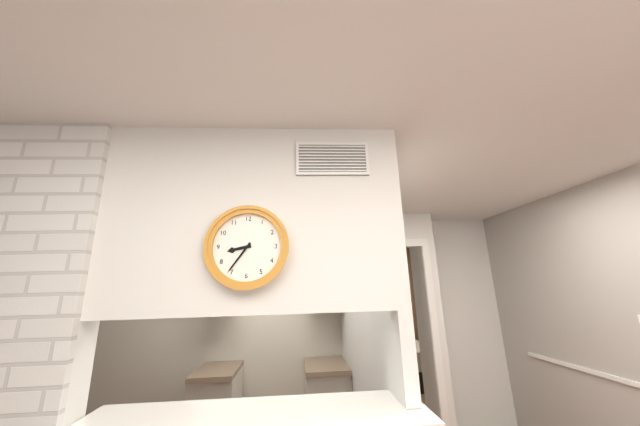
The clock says {"hour": 8, "minute": 36}
